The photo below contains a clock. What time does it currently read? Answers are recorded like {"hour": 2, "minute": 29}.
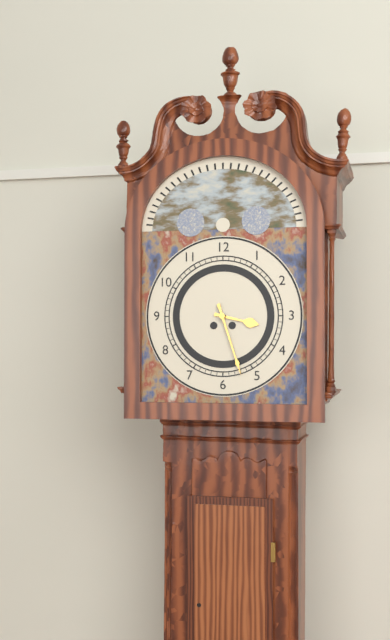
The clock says {"hour": 3, "minute": 27}
